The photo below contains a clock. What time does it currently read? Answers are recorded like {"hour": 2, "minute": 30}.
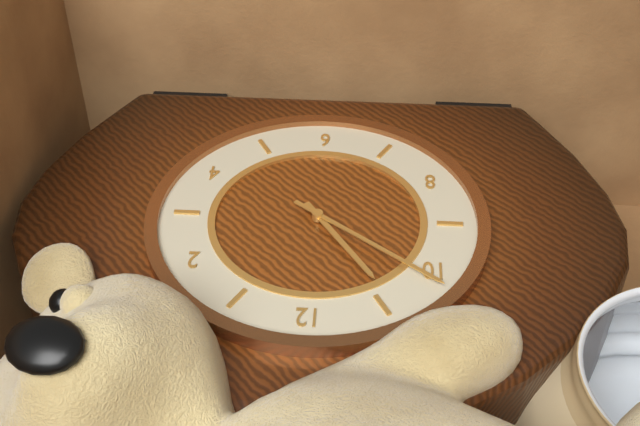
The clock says {"hour": 10, "minute": 51}
